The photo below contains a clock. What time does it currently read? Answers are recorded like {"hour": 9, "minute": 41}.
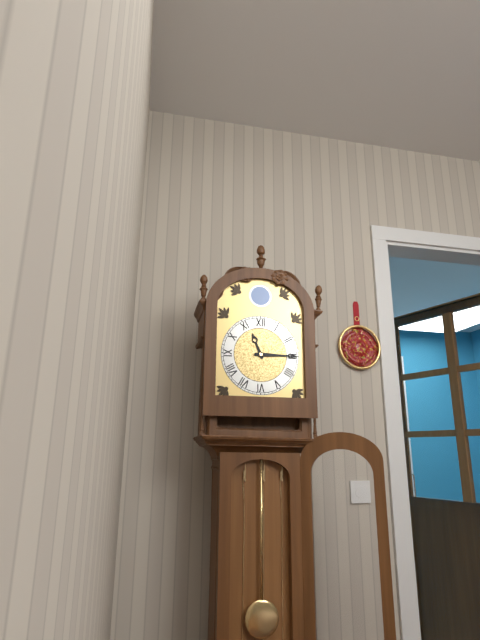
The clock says {"hour": 11, "minute": 15}
